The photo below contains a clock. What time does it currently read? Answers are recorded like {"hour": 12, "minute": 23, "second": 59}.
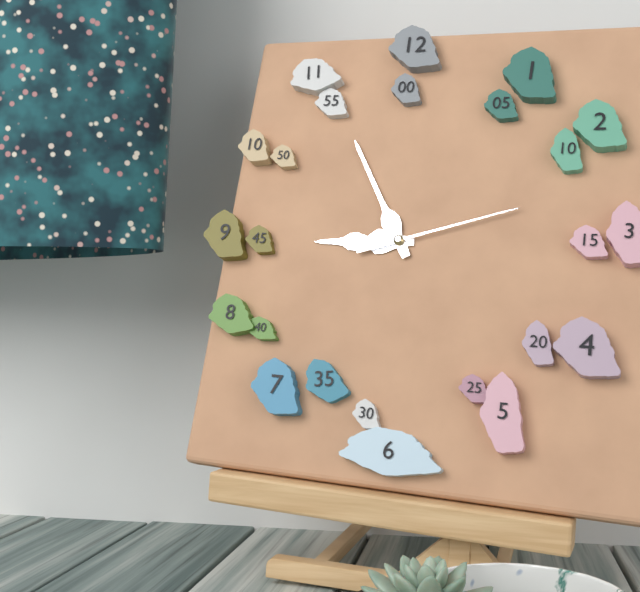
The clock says {"hour": 8, "minute": 55, "second": 12}
